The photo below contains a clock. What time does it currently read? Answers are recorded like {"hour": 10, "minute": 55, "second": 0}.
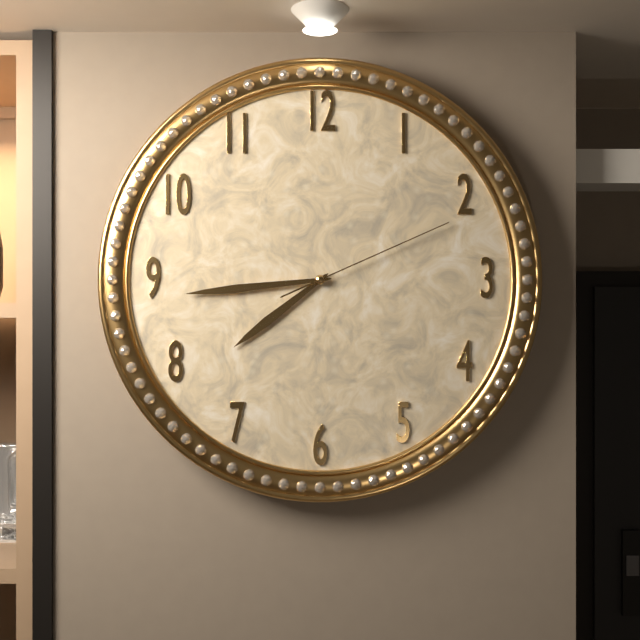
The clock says {"hour": 7, "minute": 44, "second": 11}
